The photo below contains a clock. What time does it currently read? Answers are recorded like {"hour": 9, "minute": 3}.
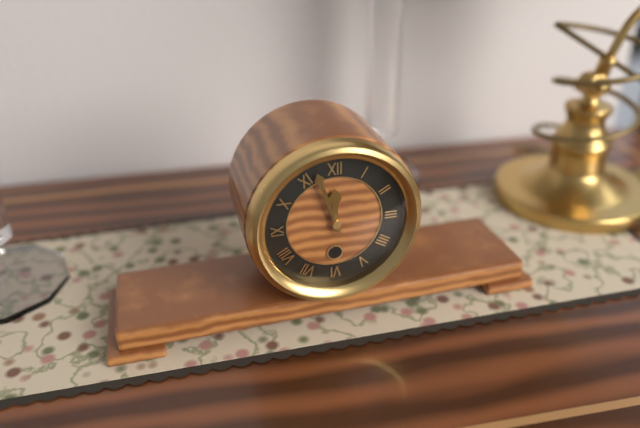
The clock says {"hour": 11, "minute": 57}
